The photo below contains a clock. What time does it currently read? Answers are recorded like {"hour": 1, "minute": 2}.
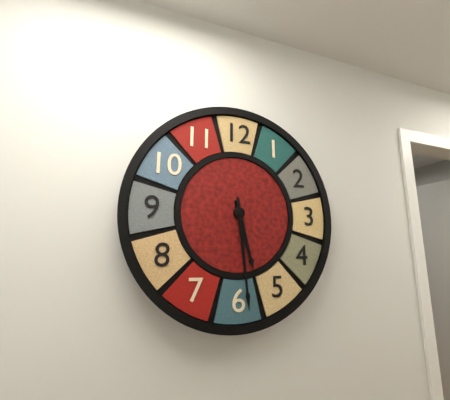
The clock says {"hour": 5, "minute": 29}
